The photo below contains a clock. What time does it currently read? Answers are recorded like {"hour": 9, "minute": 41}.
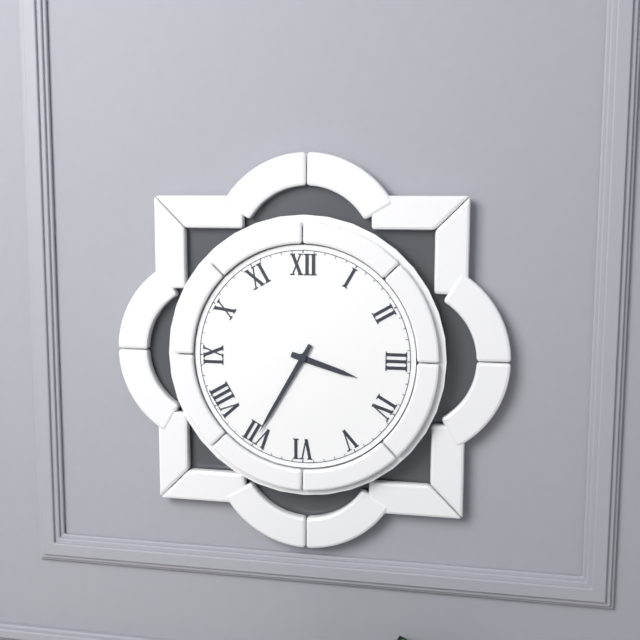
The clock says {"hour": 3, "minute": 35}
